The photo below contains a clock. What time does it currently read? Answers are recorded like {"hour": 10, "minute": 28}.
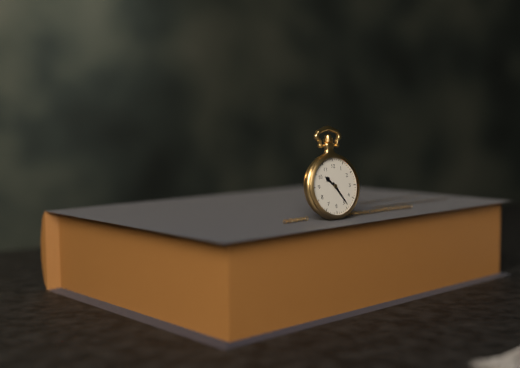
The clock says {"hour": 10, "minute": 24}
